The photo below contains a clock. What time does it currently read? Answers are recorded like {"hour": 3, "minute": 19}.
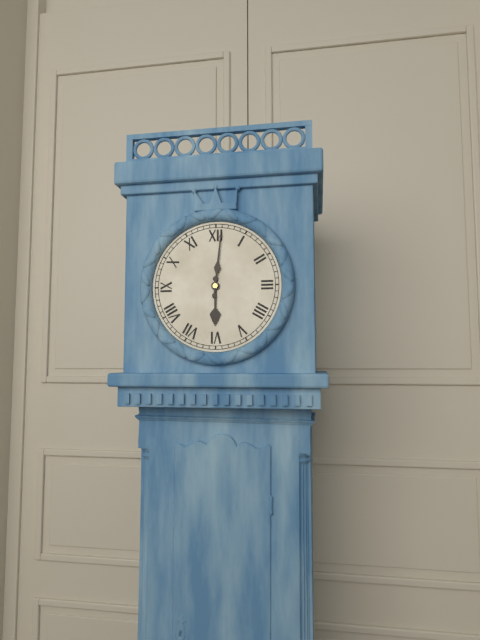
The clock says {"hour": 6, "minute": 1}
